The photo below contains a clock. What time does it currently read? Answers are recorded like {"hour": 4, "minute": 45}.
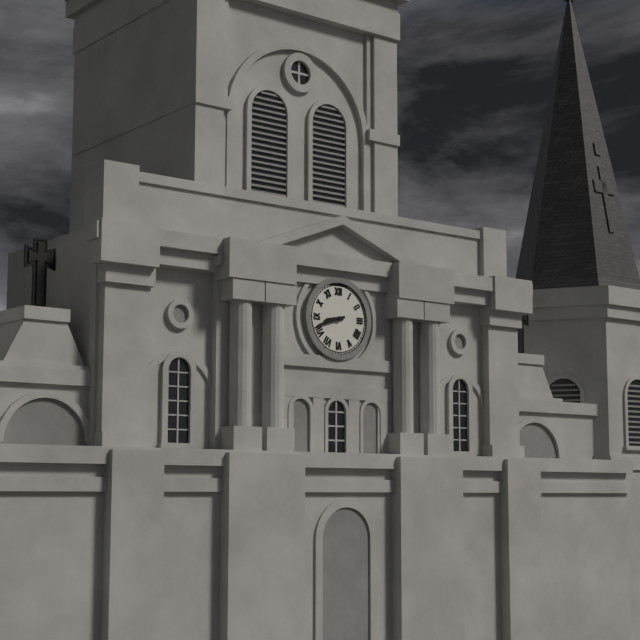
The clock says {"hour": 8, "minute": 42}
